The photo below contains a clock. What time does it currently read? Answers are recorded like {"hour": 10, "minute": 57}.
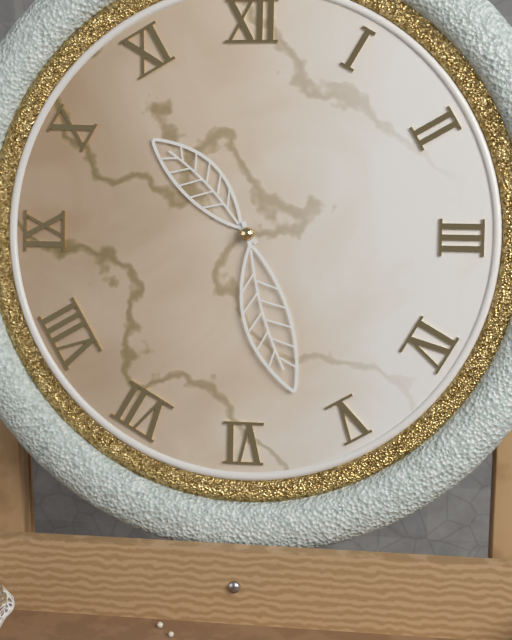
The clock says {"hour": 10, "minute": 27}
